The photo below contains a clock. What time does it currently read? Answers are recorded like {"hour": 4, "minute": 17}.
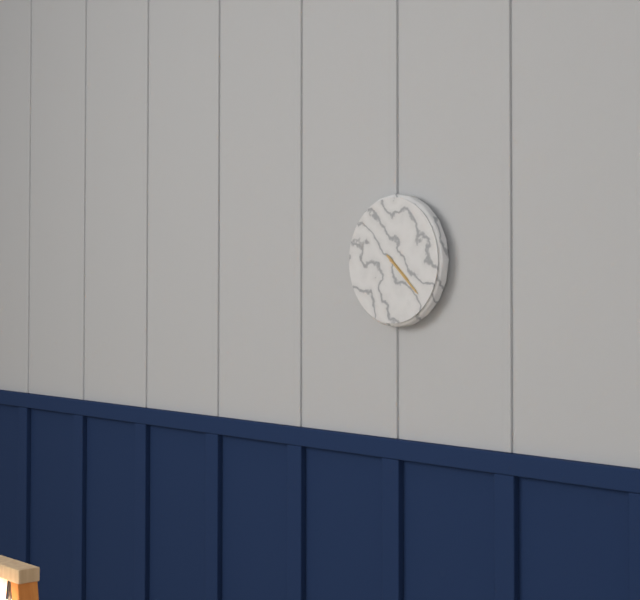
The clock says {"hour": 4, "minute": 22}
